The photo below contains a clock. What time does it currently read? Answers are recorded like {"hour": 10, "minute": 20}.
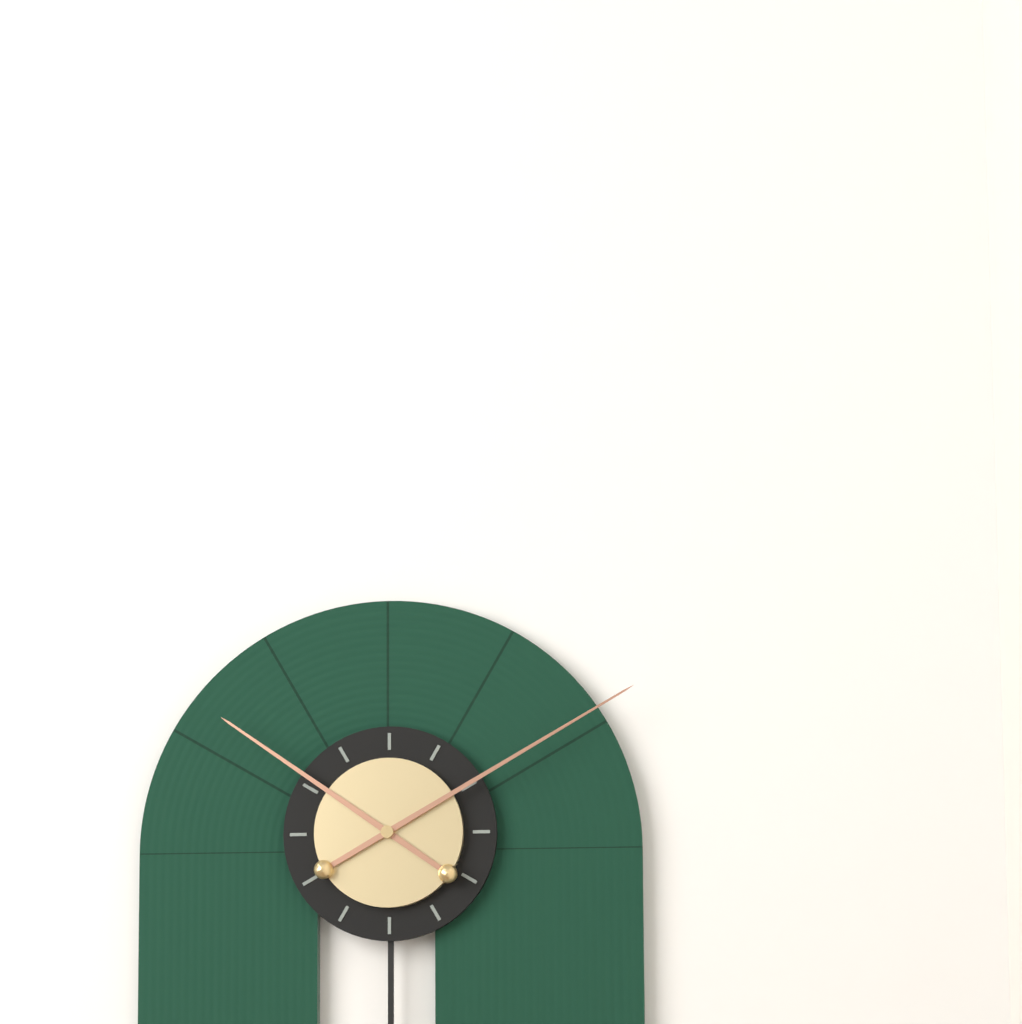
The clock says {"hour": 10, "minute": 10}
